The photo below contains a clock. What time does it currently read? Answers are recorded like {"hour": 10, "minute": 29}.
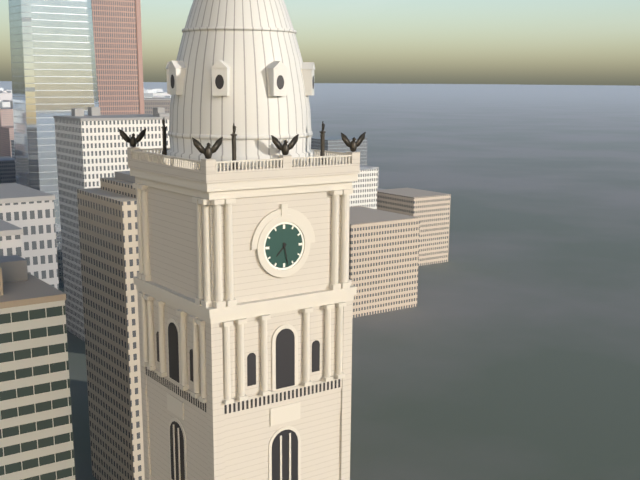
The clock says {"hour": 7, "minute": 28}
